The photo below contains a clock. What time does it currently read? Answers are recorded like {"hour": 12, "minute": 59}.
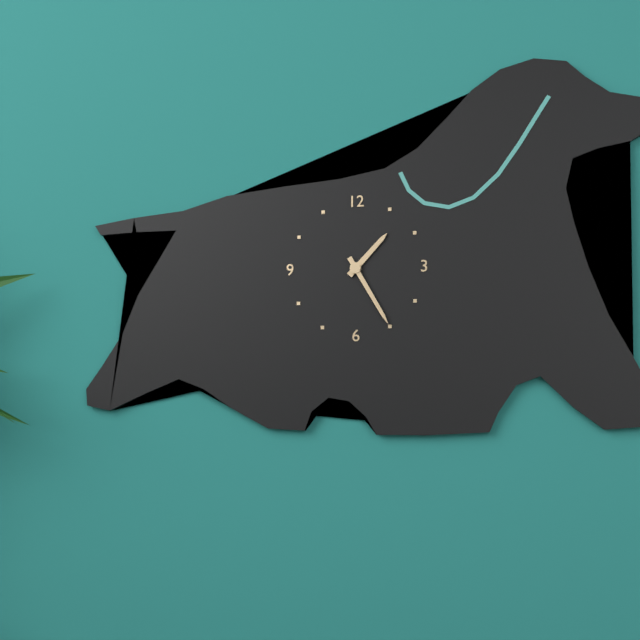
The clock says {"hour": 1, "minute": 25}
